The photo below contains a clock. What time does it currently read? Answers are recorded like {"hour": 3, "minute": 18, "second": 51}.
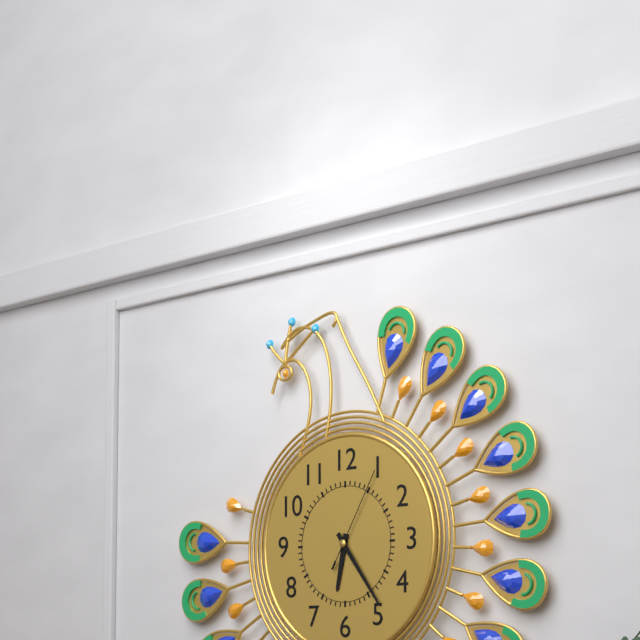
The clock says {"hour": 6, "minute": 24, "second": 5}
